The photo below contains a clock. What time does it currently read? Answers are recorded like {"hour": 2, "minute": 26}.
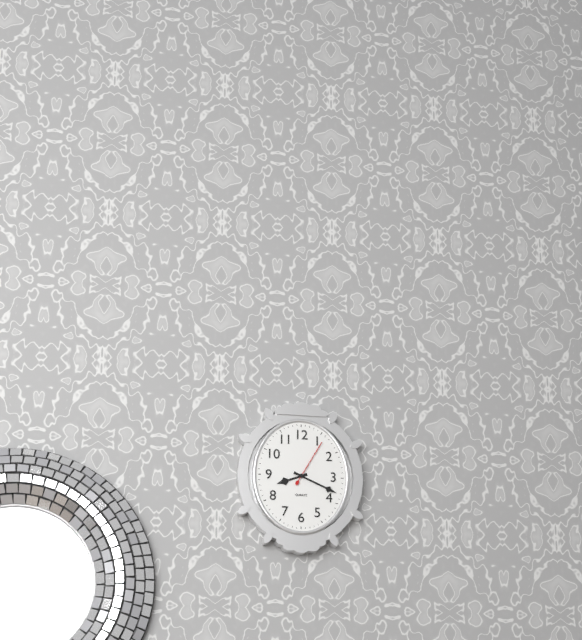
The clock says {"hour": 8, "minute": 19}
